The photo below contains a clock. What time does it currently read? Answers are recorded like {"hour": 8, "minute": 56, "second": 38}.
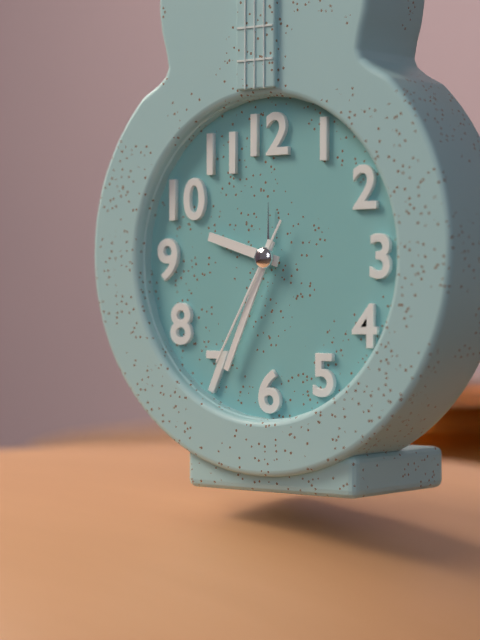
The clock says {"hour": 9, "minute": 34, "second": 35}
